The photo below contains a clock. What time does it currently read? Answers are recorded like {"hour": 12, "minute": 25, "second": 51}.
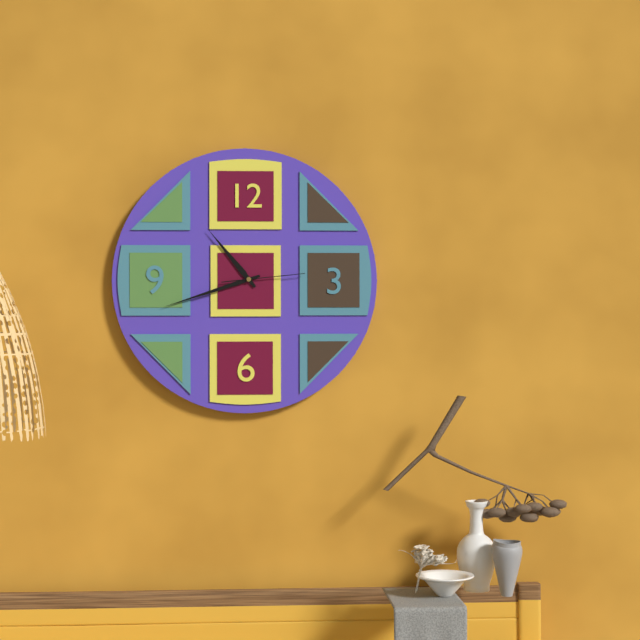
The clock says {"hour": 10, "minute": 42, "second": 14}
